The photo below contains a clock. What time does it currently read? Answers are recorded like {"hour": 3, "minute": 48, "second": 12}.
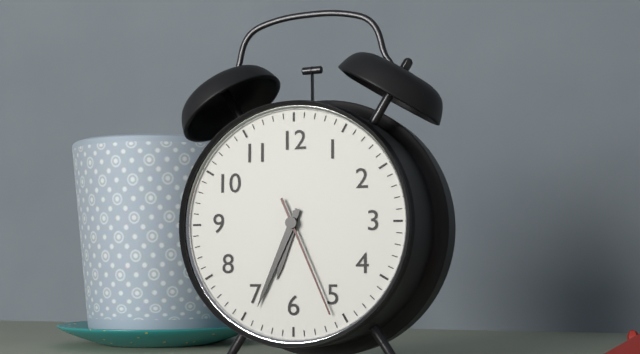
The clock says {"hour": 6, "minute": 34, "second": 26}
